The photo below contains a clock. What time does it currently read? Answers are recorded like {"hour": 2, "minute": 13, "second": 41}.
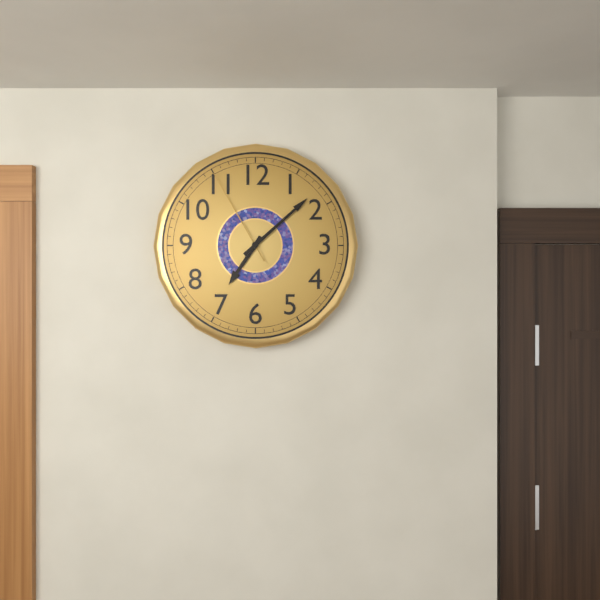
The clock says {"hour": 7, "minute": 8, "second": 55}
